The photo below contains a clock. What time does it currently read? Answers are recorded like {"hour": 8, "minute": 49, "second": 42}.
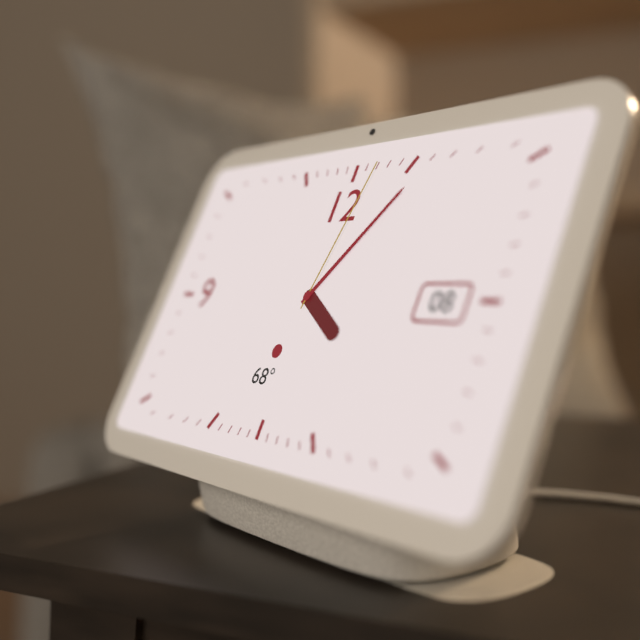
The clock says {"hour": 4, "minute": 6, "second": 2}
